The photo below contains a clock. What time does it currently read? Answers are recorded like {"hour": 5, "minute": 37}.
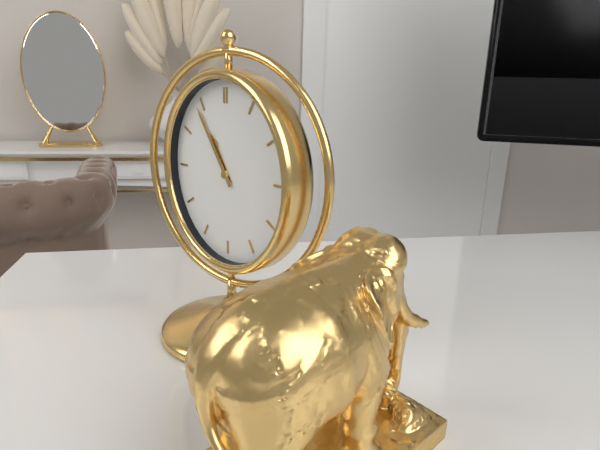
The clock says {"hour": 10, "minute": 54}
